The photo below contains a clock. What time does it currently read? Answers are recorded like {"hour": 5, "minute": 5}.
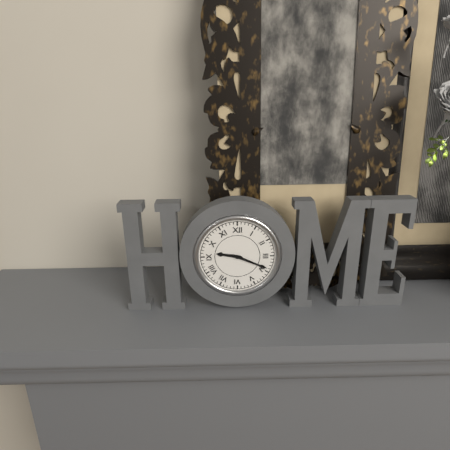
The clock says {"hour": 9, "minute": 19}
